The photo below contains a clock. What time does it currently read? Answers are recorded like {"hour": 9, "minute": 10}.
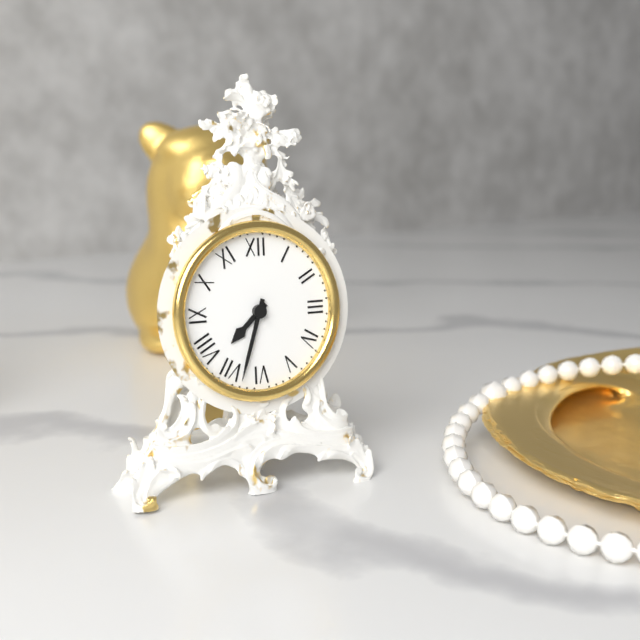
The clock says {"hour": 7, "minute": 33}
